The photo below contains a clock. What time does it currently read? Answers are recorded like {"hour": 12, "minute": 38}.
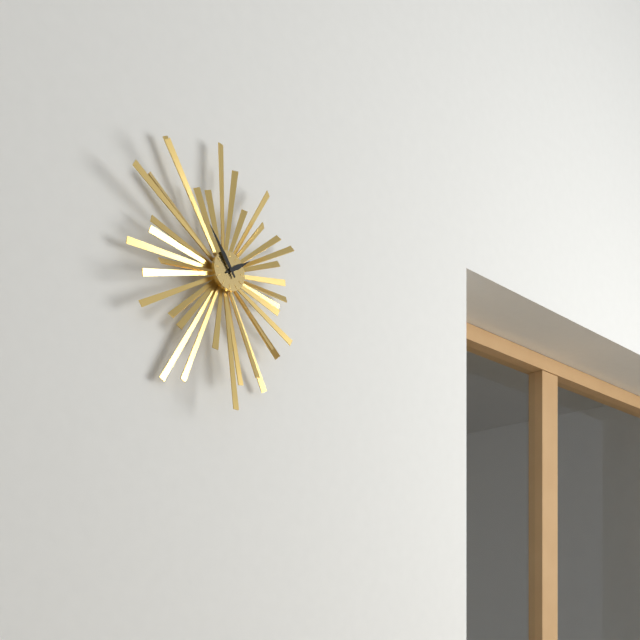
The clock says {"hour": 1, "minute": 54}
